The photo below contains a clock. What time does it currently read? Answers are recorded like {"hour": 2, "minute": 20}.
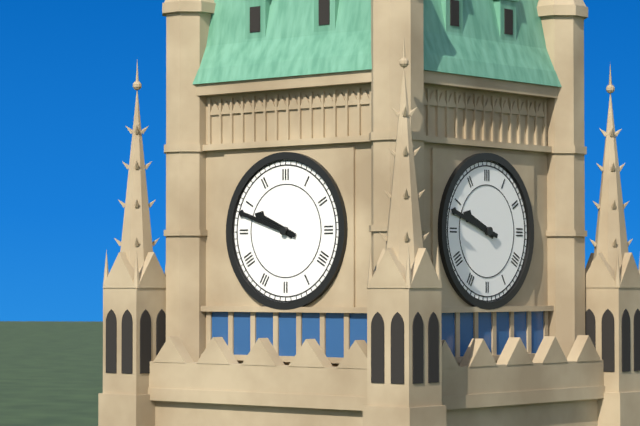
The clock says {"hour": 9, "minute": 48}
